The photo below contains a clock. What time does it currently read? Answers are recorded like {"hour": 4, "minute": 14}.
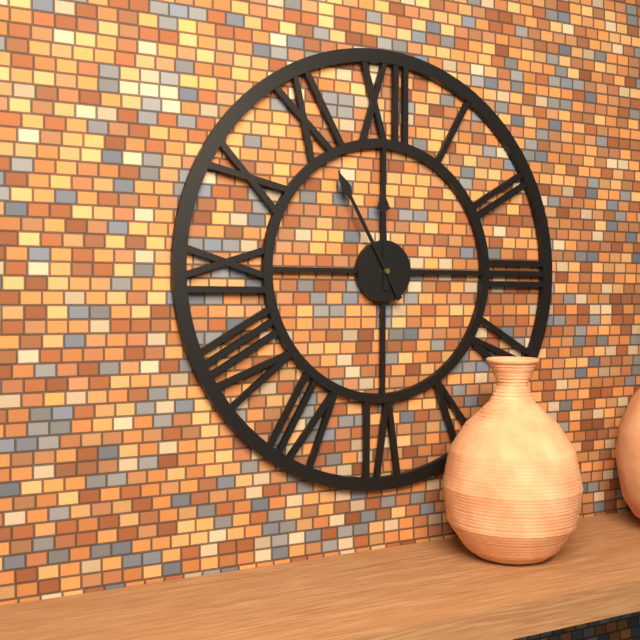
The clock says {"hour": 11, "minute": 55}
